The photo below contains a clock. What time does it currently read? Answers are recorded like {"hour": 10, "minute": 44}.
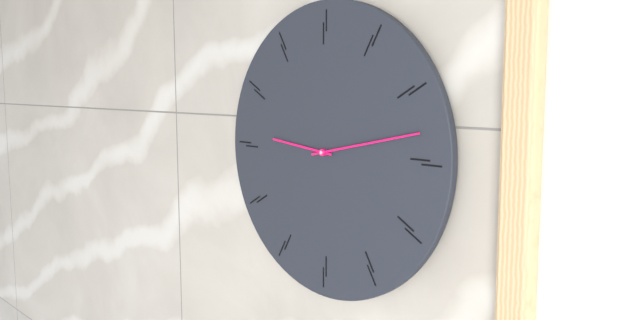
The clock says {"hour": 9, "minute": 13}
